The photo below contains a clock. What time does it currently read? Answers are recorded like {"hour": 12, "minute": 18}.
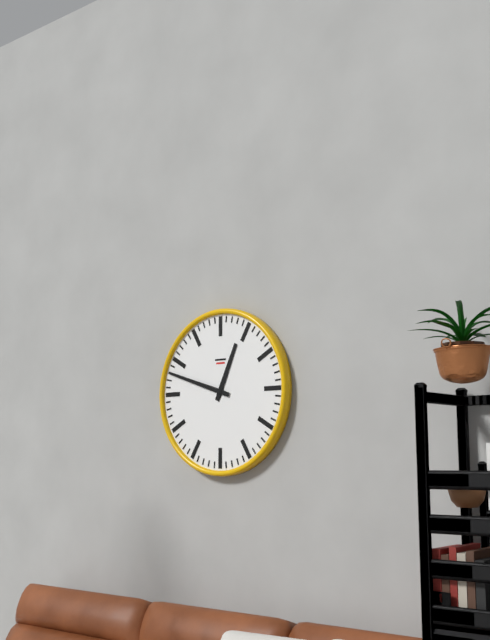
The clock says {"hour": 12, "minute": 48}
